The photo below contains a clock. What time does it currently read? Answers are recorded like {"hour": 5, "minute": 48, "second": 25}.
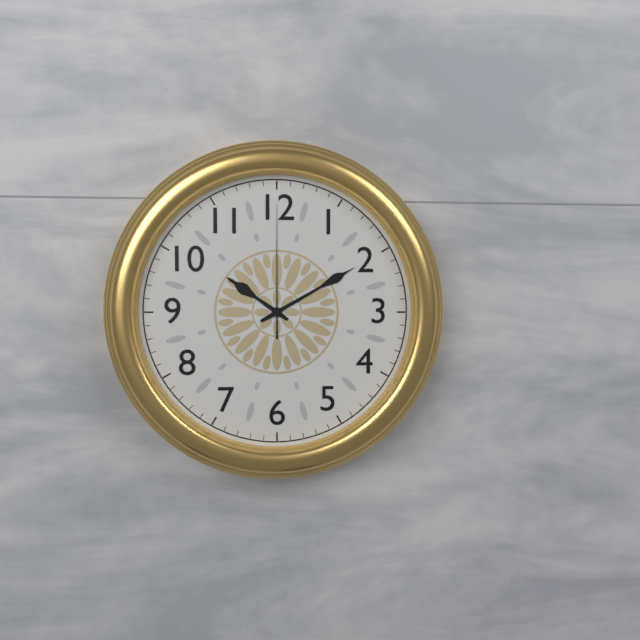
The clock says {"hour": 10, "minute": 10, "second": 0}
